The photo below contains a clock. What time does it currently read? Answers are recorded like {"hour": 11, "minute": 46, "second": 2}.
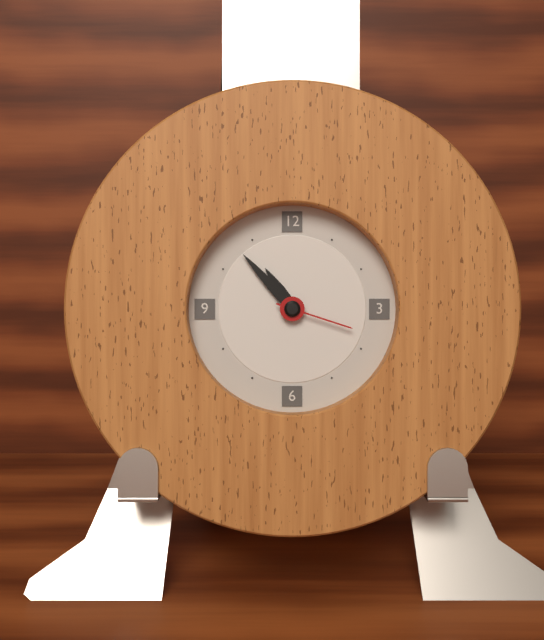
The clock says {"hour": 10, "minute": 53, "second": 18}
